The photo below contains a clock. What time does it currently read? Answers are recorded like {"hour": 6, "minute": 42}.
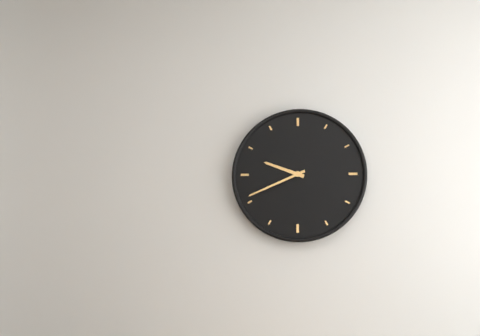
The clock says {"hour": 9, "minute": 41}
